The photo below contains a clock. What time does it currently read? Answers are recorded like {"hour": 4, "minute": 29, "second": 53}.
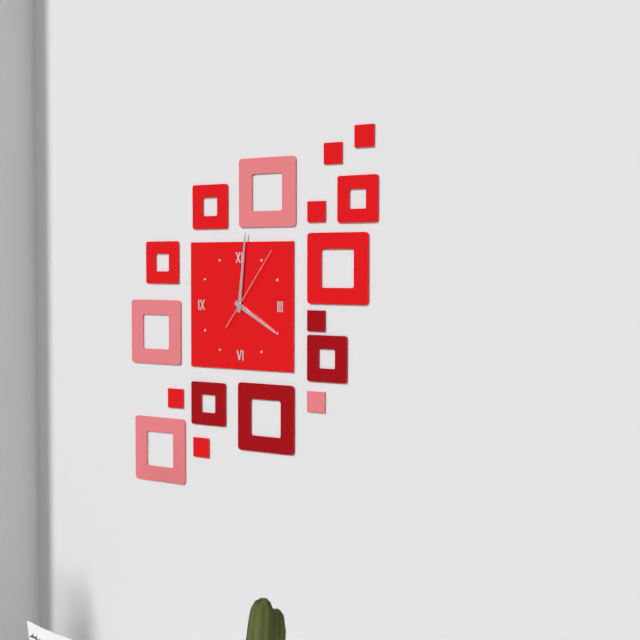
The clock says {"hour": 4, "minute": 1, "second": 6}
